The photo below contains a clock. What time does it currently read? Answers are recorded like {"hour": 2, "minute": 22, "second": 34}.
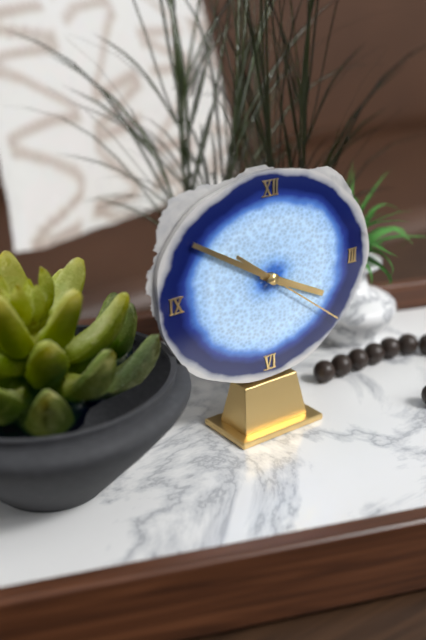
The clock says {"hour": 3, "minute": 50, "second": 21}
